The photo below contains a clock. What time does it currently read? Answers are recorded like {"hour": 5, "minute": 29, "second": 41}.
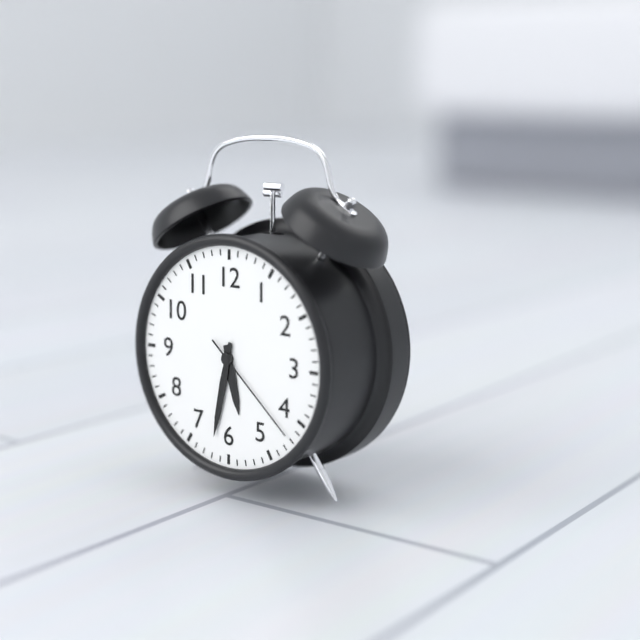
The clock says {"hour": 5, "minute": 32, "second": 22}
